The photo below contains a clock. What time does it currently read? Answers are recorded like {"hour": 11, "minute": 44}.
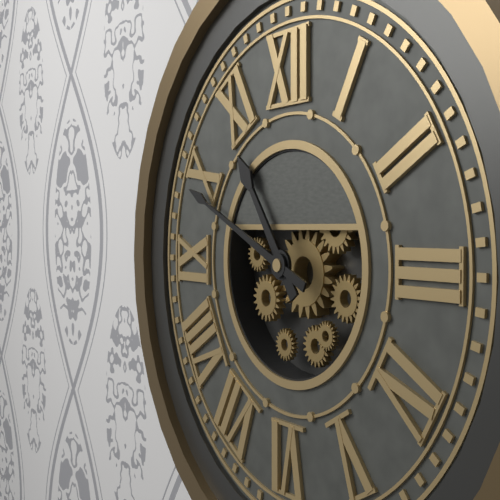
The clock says {"hour": 10, "minute": 49}
